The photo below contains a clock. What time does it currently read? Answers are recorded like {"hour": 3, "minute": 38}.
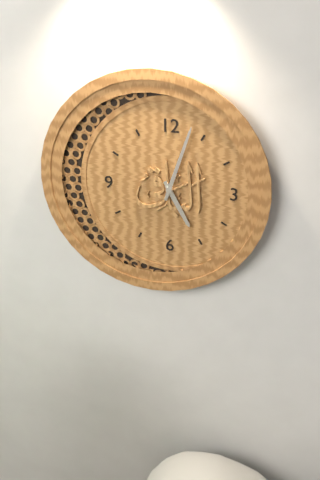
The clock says {"hour": 5, "minute": 3}
